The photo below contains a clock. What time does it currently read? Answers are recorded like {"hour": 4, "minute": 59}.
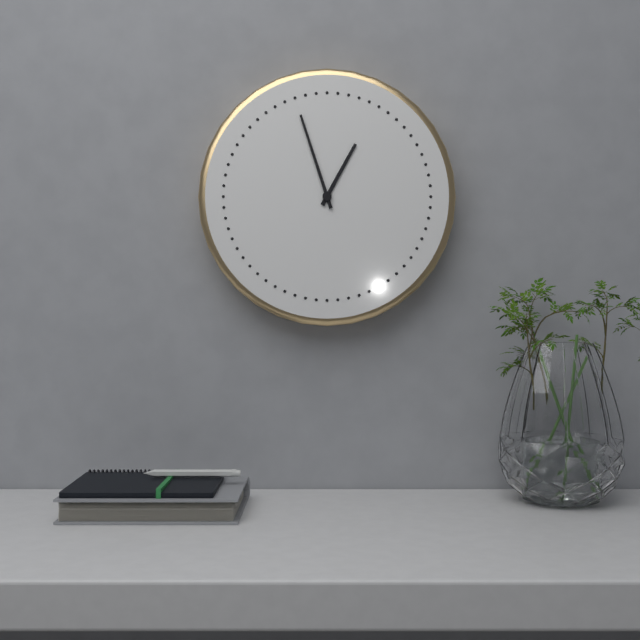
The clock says {"hour": 12, "minute": 57}
